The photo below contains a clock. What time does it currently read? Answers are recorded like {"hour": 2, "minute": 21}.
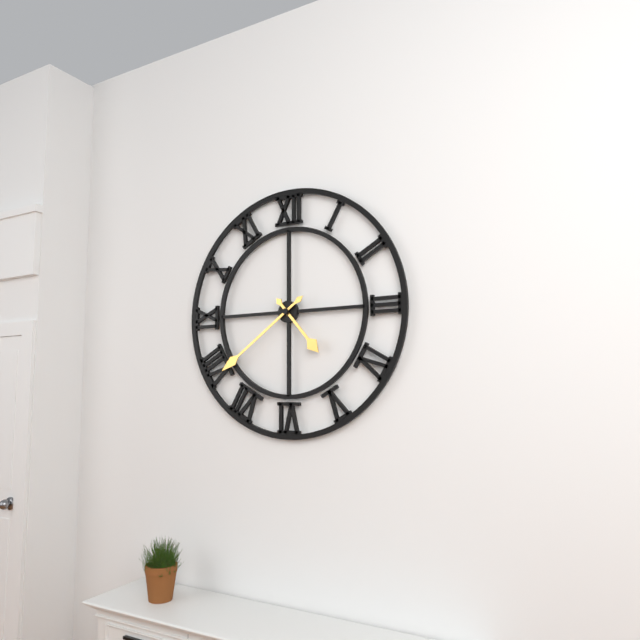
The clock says {"hour": 4, "minute": 39}
